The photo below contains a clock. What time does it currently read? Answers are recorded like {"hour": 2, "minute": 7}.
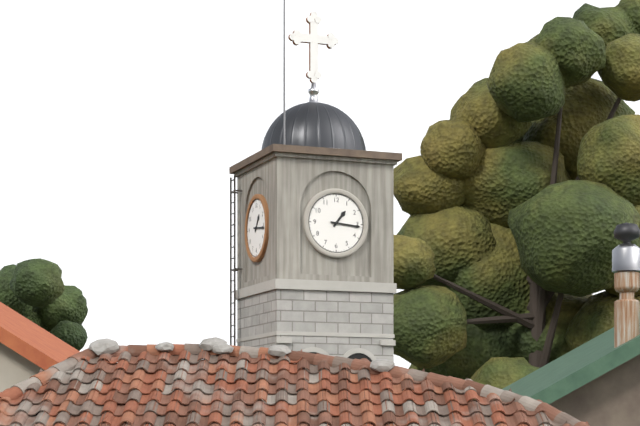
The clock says {"hour": 1, "minute": 16}
